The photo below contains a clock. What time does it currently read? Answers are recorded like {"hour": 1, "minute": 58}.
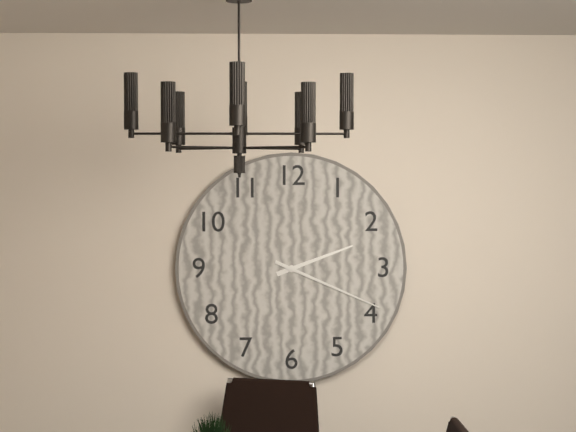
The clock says {"hour": 2, "minute": 19}
